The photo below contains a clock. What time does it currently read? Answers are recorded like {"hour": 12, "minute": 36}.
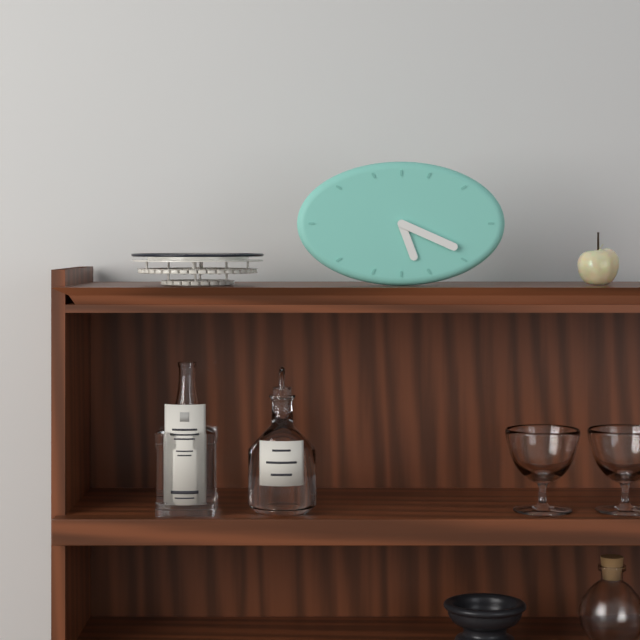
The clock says {"hour": 5, "minute": 19}
